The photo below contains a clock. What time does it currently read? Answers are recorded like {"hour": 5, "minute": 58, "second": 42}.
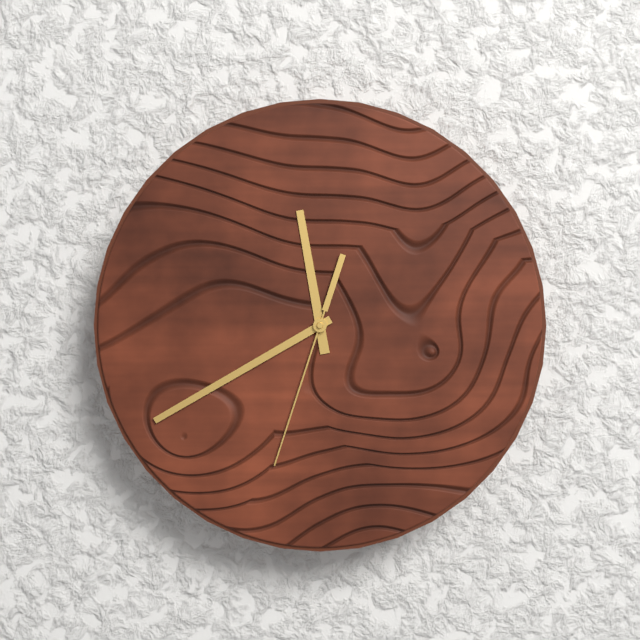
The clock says {"hour": 11, "minute": 40, "second": 33}
